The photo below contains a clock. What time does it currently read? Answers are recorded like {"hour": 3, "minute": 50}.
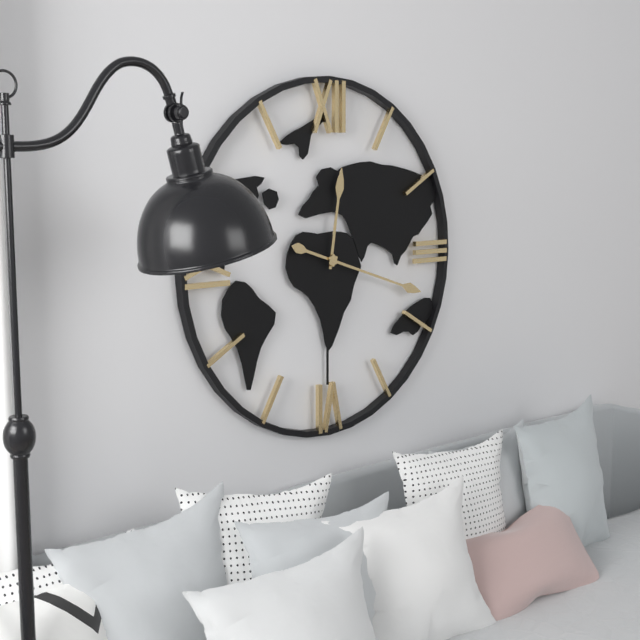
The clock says {"hour": 12, "minute": 18}
